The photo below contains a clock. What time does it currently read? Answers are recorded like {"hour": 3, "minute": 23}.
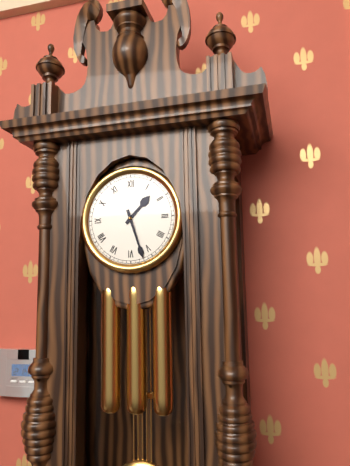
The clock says {"hour": 1, "minute": 27}
